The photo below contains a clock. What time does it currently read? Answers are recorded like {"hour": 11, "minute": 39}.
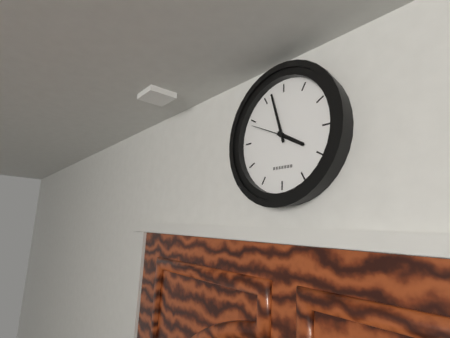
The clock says {"hour": 3, "minute": 57}
